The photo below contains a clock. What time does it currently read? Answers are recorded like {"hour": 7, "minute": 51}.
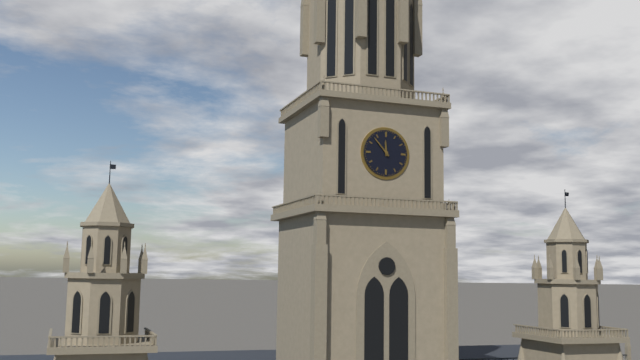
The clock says {"hour": 11, "minute": 53}
